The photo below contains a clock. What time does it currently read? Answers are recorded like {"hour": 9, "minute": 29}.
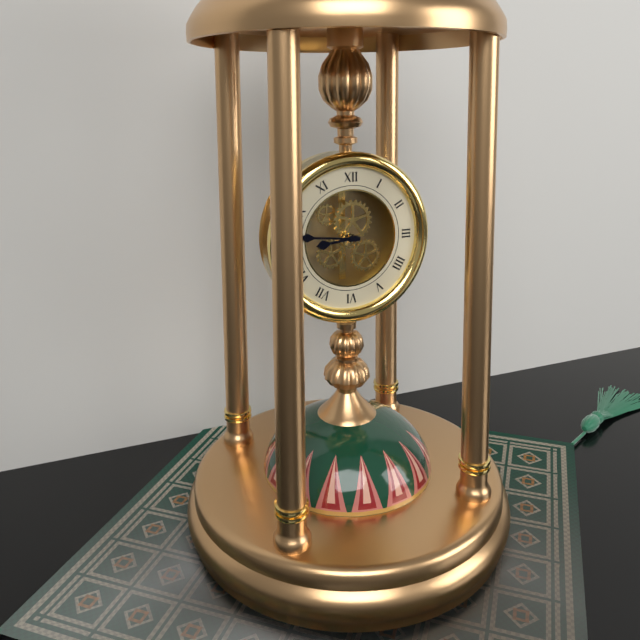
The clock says {"hour": 8, "minute": 46}
